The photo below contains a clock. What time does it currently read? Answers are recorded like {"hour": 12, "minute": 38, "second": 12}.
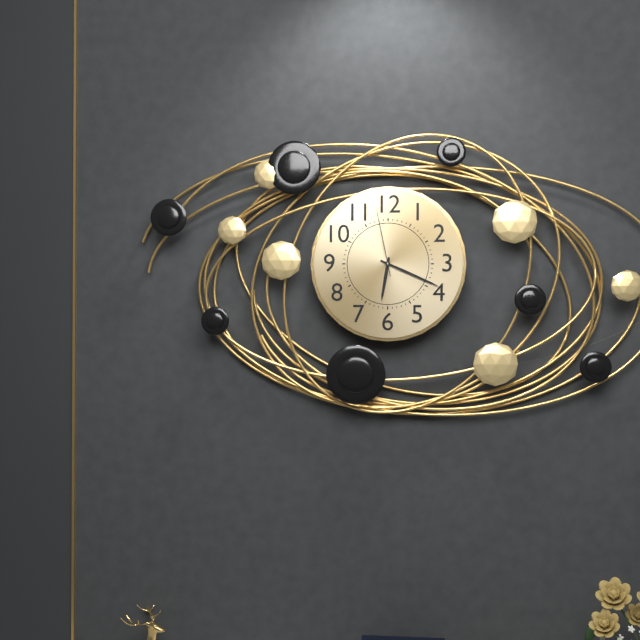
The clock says {"hour": 6, "minute": 19, "second": 58}
